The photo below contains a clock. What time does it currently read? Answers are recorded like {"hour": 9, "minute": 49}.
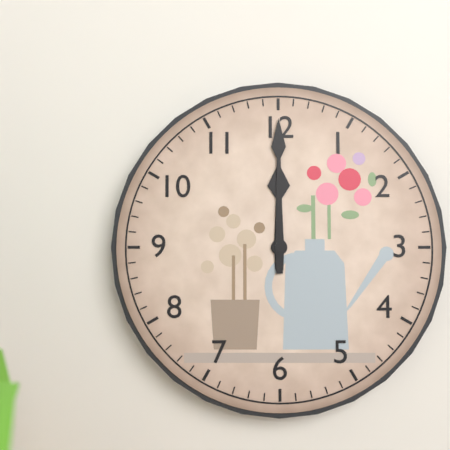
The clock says {"hour": 12, "minute": 0}
